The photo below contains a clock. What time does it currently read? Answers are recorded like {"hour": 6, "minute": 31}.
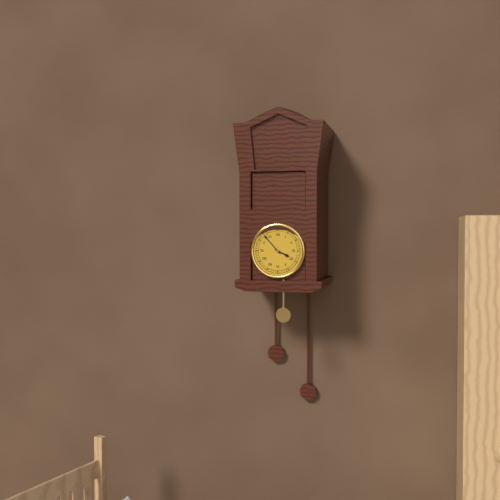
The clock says {"hour": 3, "minute": 53}
